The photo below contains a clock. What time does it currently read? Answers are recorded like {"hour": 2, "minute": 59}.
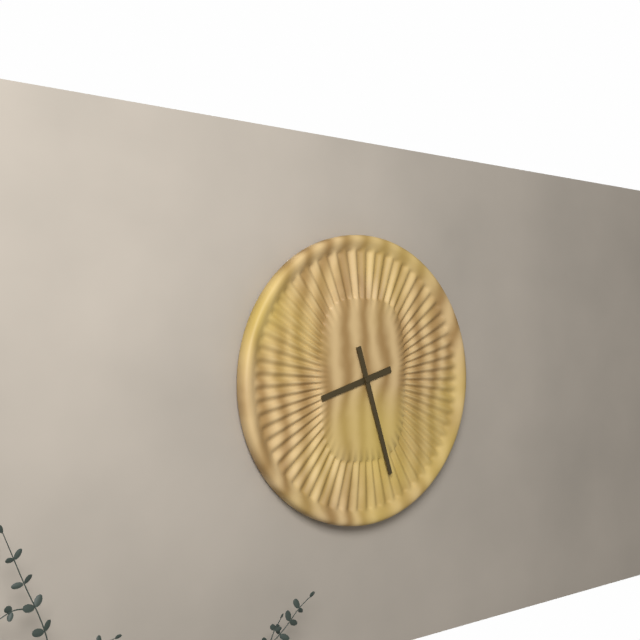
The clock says {"hour": 8, "minute": 27}
